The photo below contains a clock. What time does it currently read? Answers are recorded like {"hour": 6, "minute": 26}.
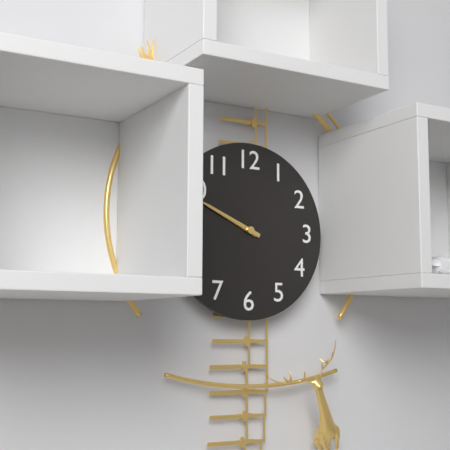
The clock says {"hour": 9, "minute": 49}
